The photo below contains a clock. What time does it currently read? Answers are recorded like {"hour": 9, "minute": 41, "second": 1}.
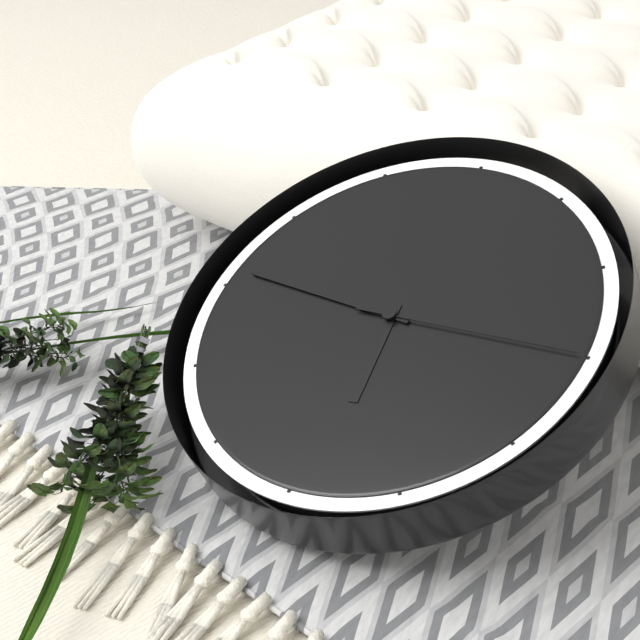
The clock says {"hour": 5, "minute": 46, "second": 15}
